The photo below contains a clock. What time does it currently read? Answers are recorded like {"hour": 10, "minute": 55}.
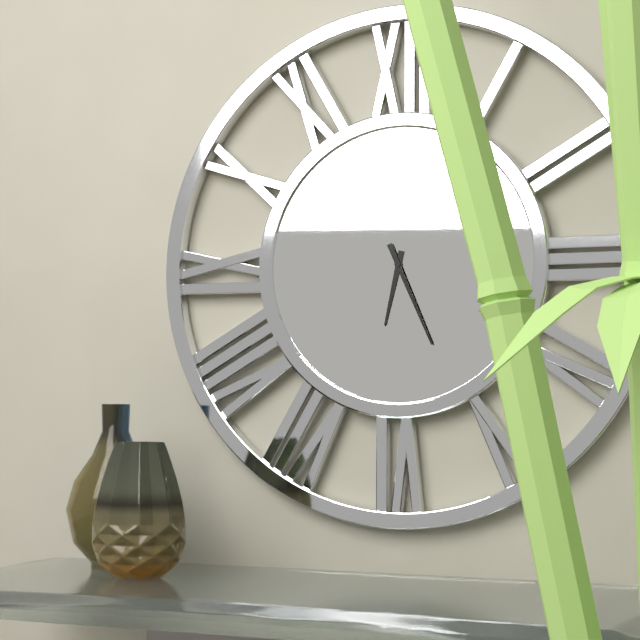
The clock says {"hour": 6, "minute": 26}
